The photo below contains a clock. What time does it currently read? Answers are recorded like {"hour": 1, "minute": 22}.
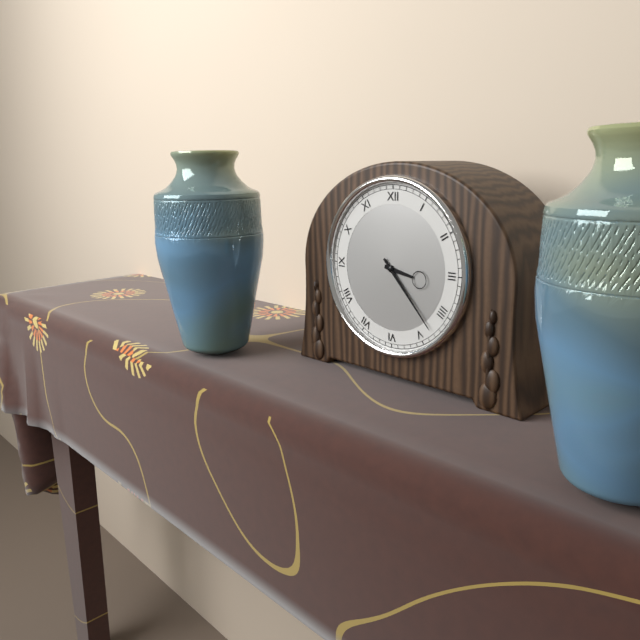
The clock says {"hour": 3, "minute": 23}
